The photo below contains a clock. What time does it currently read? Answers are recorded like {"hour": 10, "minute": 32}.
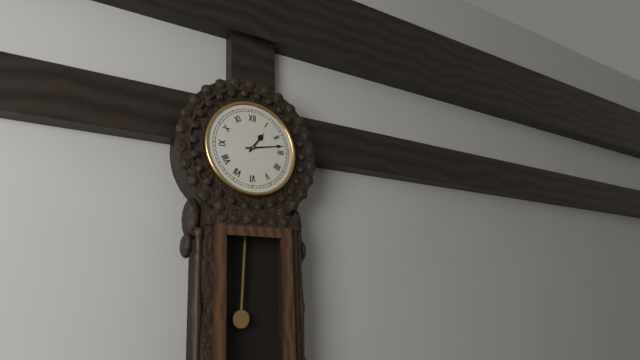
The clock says {"hour": 1, "minute": 13}
